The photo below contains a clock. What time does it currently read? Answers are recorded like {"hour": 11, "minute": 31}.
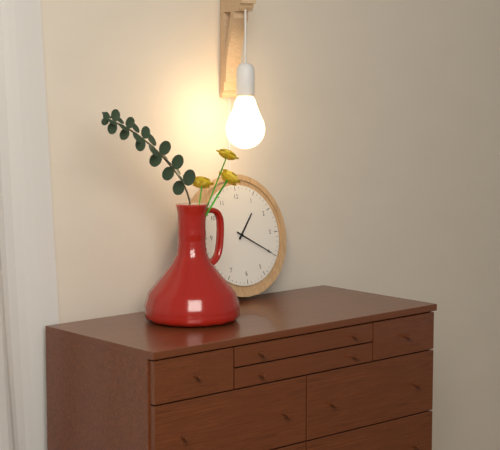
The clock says {"hour": 1, "minute": 20}
